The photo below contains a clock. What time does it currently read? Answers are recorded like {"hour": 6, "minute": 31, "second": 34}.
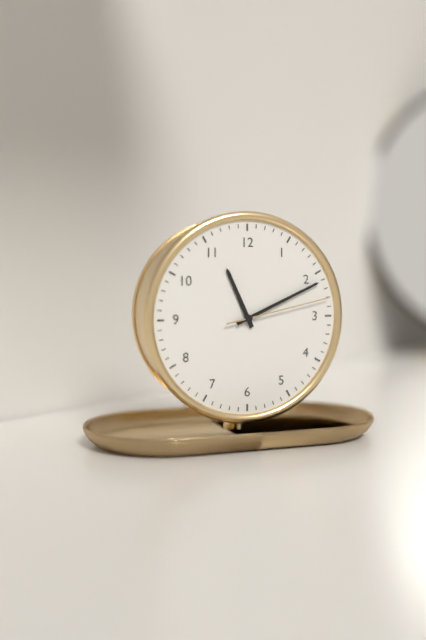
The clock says {"hour": 11, "minute": 11, "second": 13}
